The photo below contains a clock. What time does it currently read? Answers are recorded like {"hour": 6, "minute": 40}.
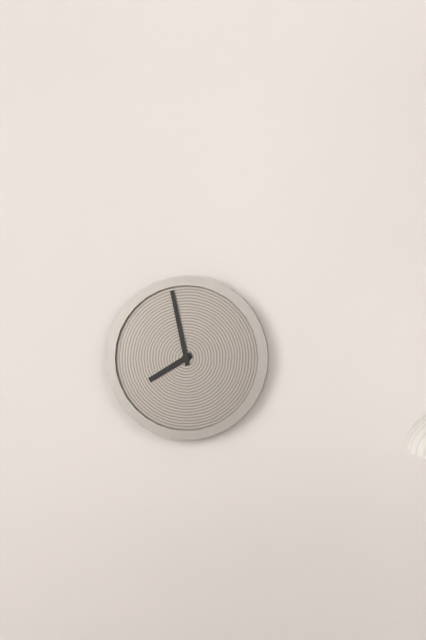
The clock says {"hour": 7, "minute": 58}
